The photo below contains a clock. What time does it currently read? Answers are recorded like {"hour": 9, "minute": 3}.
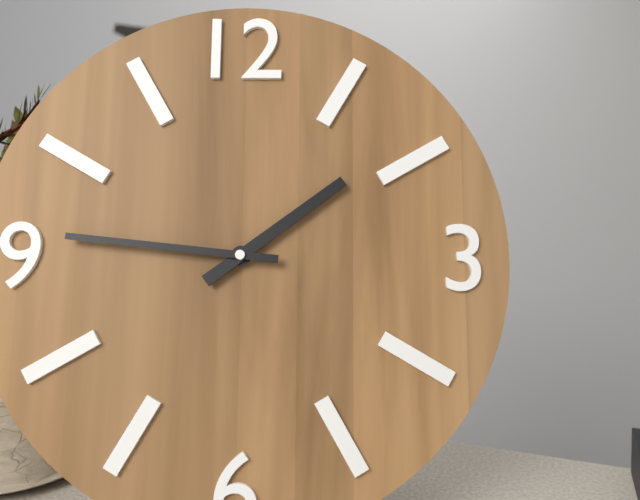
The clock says {"hour": 1, "minute": 46}
